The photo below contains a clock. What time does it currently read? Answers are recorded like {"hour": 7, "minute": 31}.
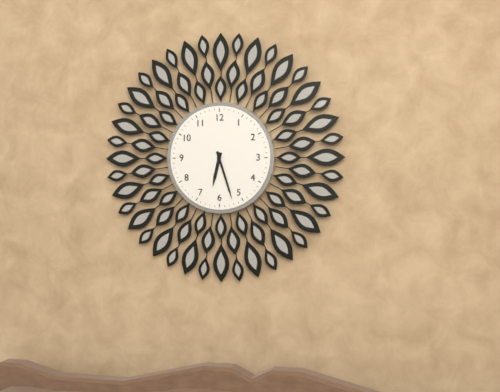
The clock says {"hour": 6, "minute": 27}
